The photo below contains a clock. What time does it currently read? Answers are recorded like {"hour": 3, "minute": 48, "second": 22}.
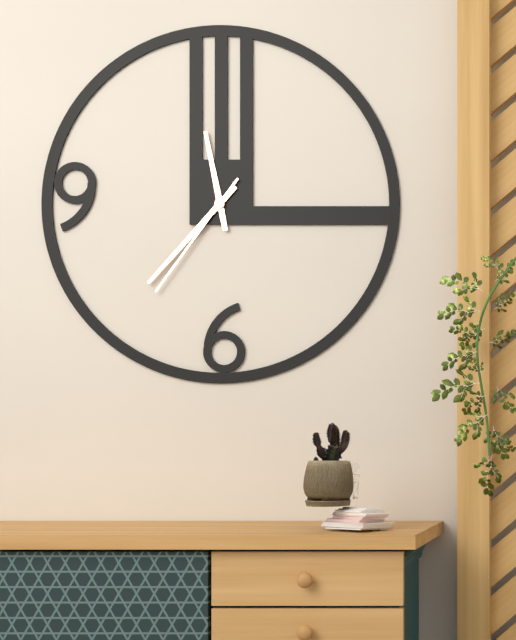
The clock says {"hour": 11, "minute": 37, "second": 36}
